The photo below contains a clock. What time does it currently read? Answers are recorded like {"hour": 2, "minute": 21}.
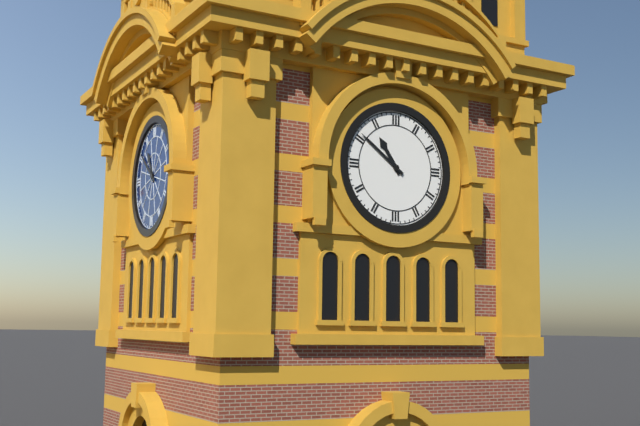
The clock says {"hour": 10, "minute": 51}
